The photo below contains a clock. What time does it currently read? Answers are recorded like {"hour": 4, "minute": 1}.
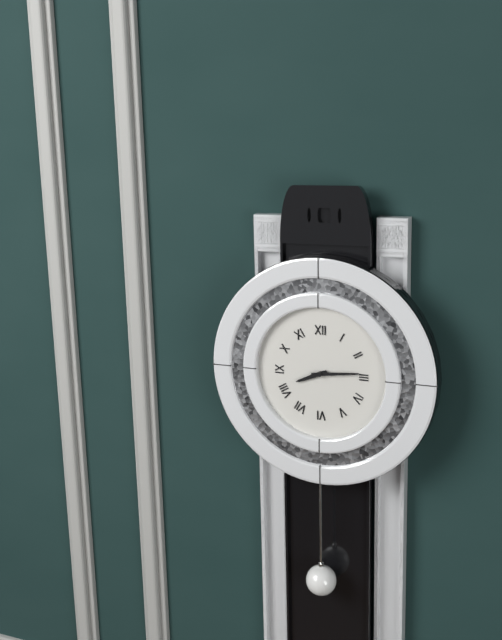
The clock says {"hour": 8, "minute": 14}
